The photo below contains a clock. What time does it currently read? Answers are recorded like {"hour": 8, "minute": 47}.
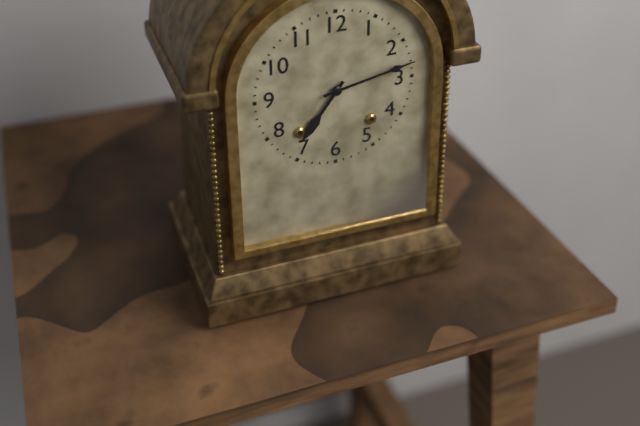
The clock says {"hour": 7, "minute": 13}
